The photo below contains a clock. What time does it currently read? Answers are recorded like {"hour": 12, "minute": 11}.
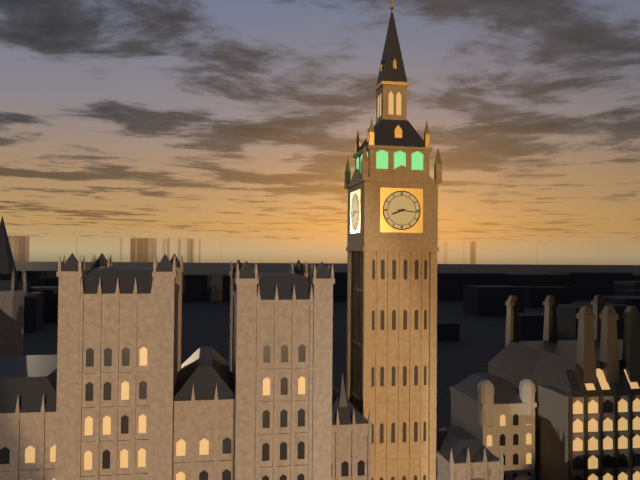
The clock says {"hour": 8, "minute": 16}
